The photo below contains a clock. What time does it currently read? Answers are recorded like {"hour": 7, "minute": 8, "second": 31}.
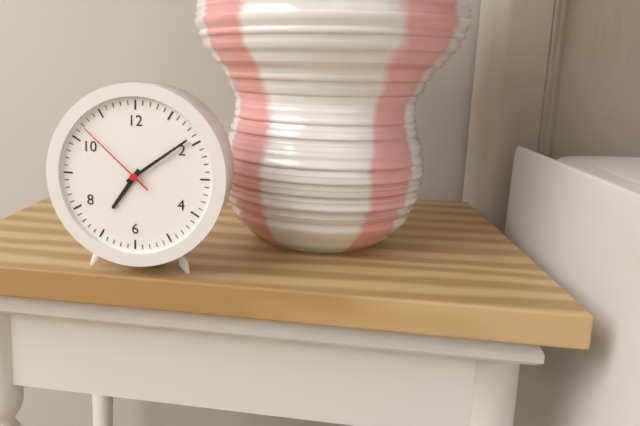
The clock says {"hour": 7, "minute": 9, "second": 52}
